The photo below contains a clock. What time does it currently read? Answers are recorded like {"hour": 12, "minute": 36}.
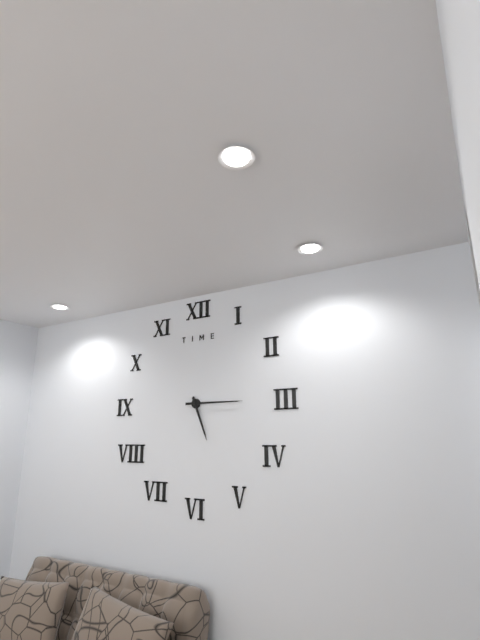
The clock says {"hour": 5, "minute": 15}
